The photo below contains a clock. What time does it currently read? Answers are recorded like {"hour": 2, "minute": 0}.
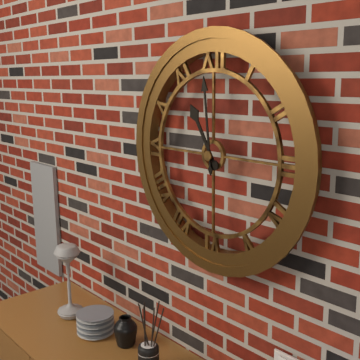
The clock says {"hour": 10, "minute": 59}
